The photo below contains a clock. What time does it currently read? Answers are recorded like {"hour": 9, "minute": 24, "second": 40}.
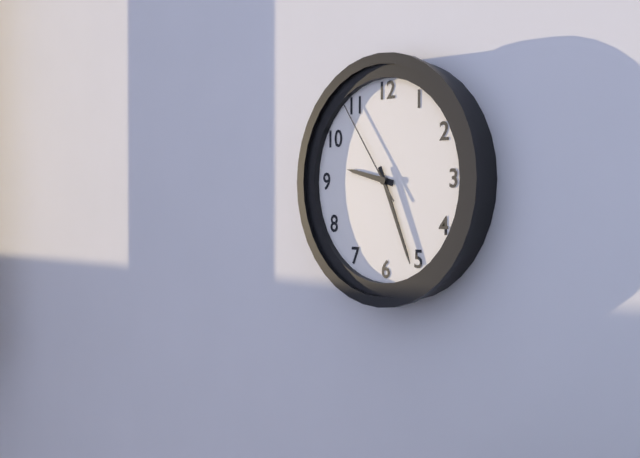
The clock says {"hour": 9, "minute": 26, "second": 54}
